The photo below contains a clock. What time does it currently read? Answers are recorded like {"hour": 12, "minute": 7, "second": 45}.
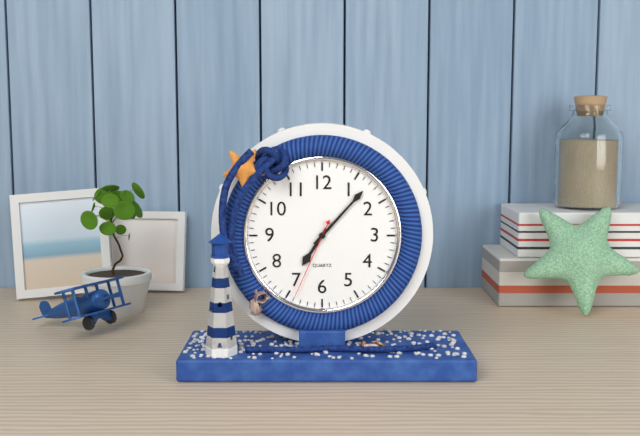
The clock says {"hour": 7, "minute": 7, "second": 34}
